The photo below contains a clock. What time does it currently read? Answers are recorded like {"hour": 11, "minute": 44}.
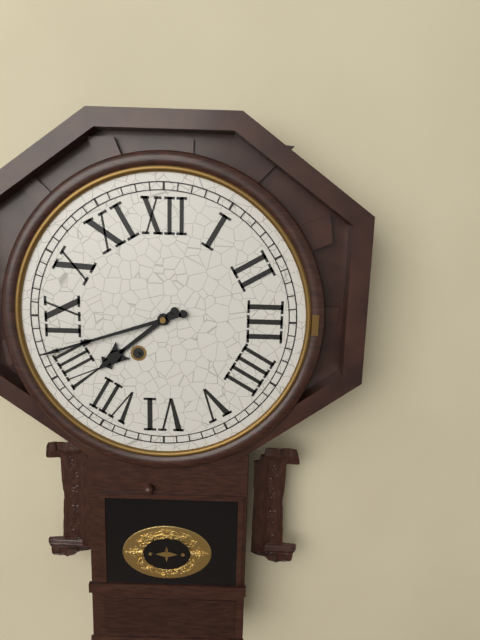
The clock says {"hour": 7, "minute": 42}
